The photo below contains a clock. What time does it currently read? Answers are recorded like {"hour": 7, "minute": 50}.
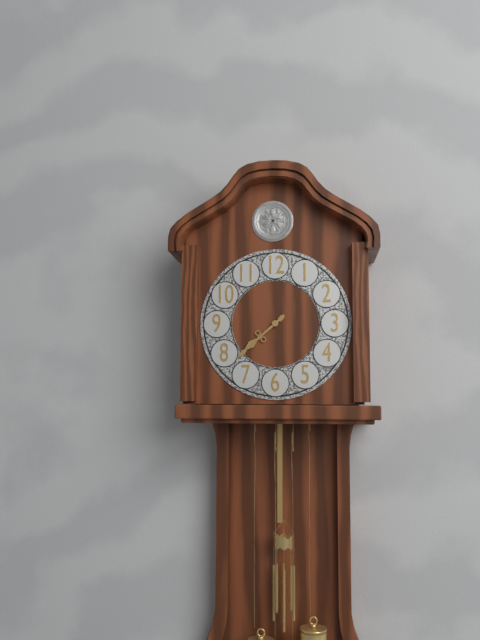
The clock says {"hour": 7, "minute": 38}
